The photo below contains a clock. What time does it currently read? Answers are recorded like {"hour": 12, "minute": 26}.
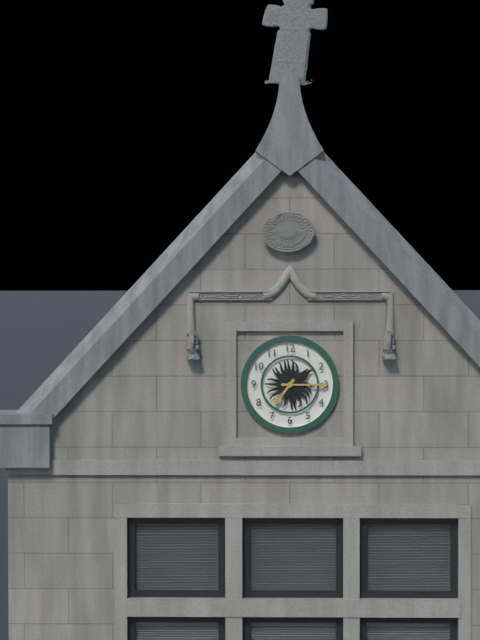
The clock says {"hour": 7, "minute": 15}
